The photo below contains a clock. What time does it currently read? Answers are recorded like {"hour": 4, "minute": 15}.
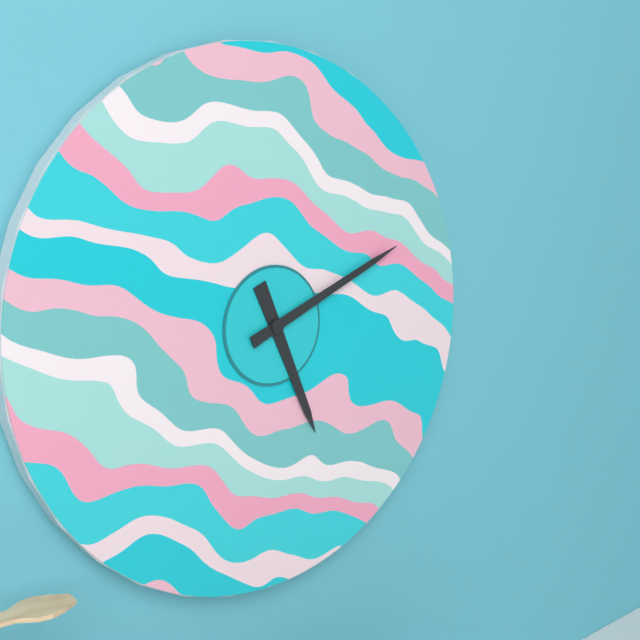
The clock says {"hour": 5, "minute": 11}
